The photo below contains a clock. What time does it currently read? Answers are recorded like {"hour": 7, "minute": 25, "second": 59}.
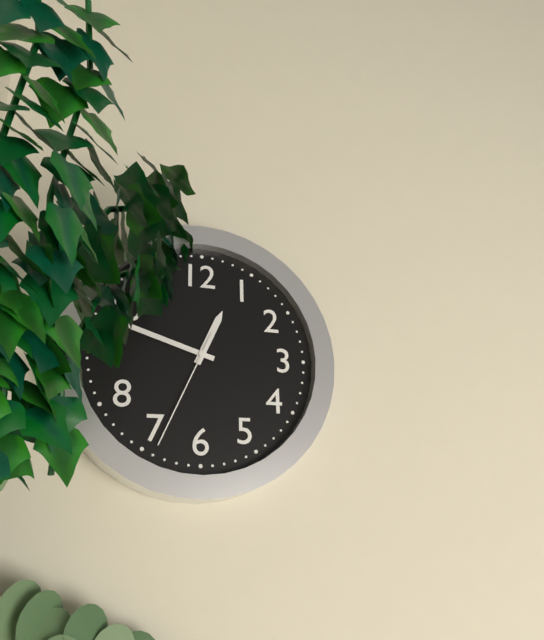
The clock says {"hour": 12, "minute": 48, "second": 34}
